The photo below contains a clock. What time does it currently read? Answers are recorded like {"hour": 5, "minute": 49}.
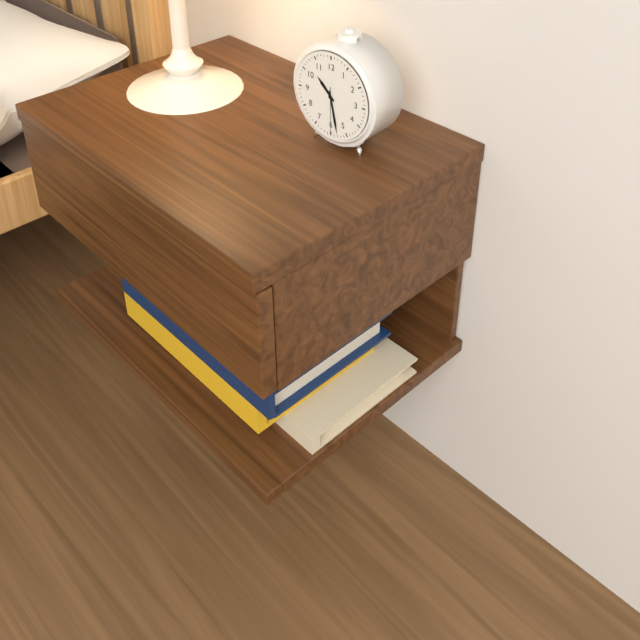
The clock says {"hour": 10, "minute": 28}
